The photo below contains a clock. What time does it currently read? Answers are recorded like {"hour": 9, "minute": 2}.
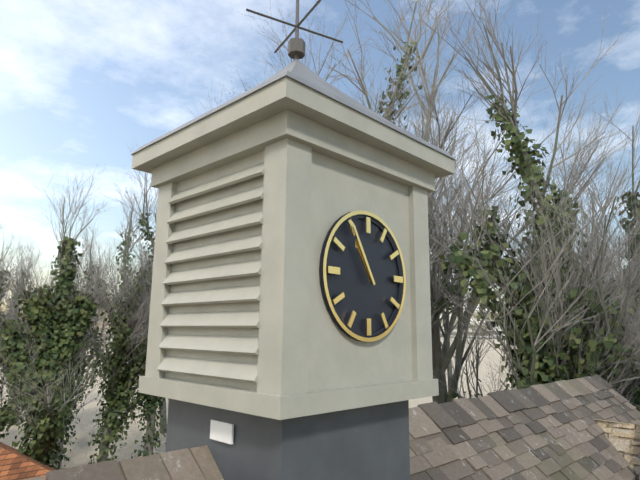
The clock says {"hour": 10, "minute": 55}
